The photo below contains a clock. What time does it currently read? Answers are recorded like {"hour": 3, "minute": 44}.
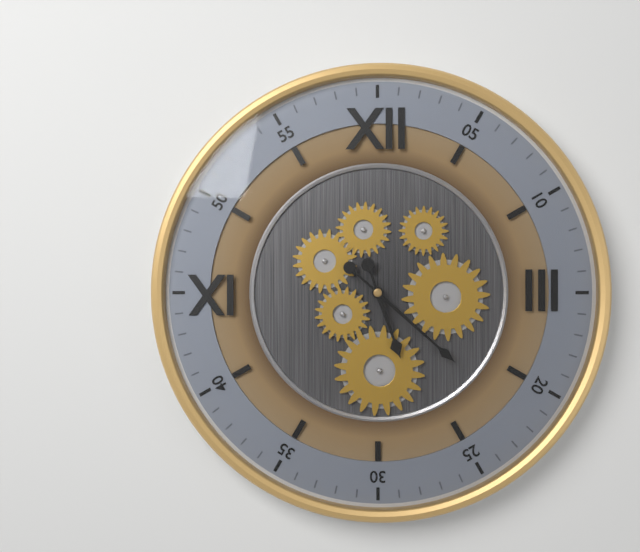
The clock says {"hour": 5, "minute": 22}
